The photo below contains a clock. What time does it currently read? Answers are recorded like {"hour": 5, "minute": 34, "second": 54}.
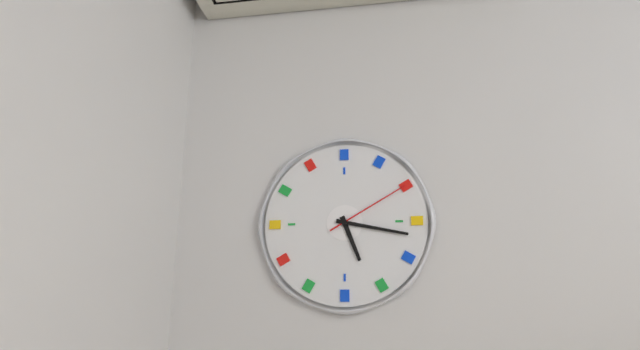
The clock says {"hour": 5, "minute": 17, "second": 10}
